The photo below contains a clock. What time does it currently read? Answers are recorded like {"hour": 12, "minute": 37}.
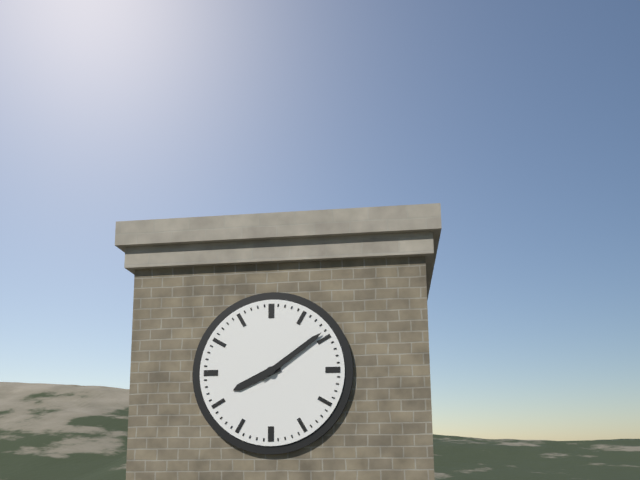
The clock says {"hour": 8, "minute": 9}
